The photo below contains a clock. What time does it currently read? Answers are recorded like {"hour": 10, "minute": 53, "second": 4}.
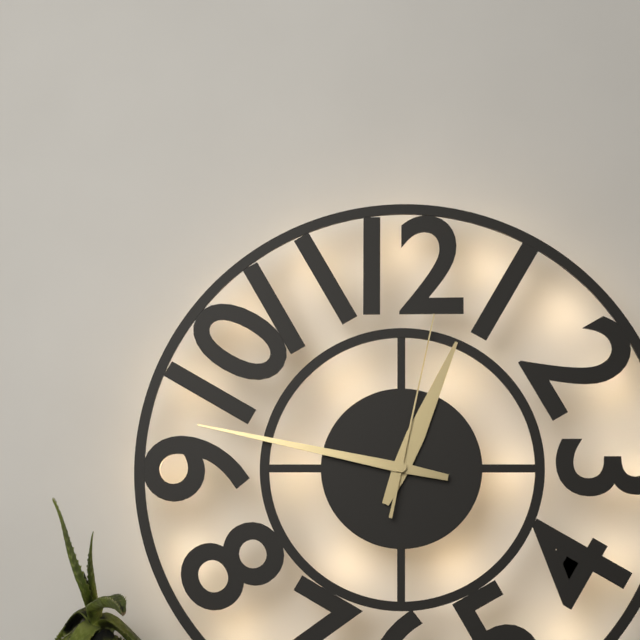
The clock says {"hour": 12, "minute": 47, "second": 2}
